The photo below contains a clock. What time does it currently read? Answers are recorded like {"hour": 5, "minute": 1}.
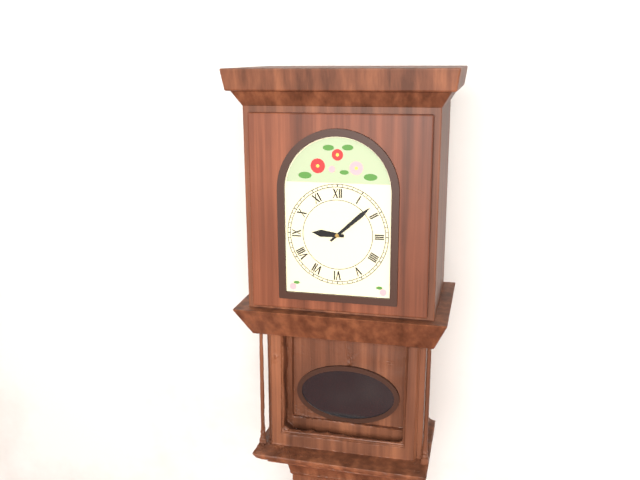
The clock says {"hour": 9, "minute": 8}
